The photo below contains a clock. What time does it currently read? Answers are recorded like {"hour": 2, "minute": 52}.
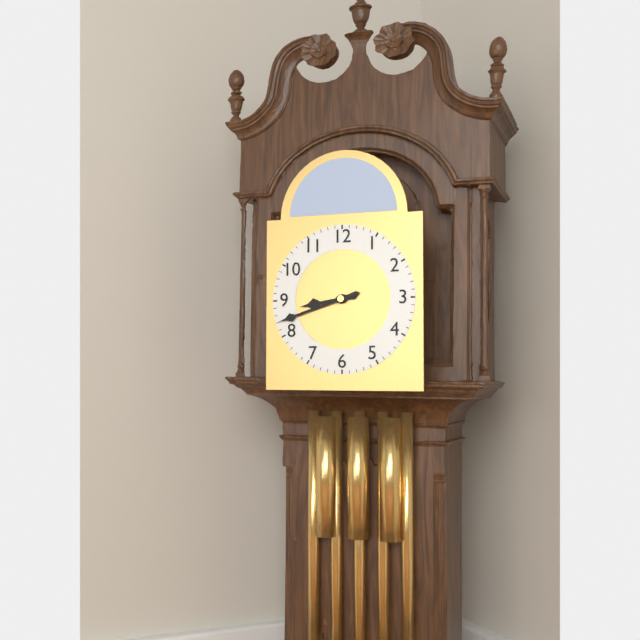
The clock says {"hour": 8, "minute": 42}
